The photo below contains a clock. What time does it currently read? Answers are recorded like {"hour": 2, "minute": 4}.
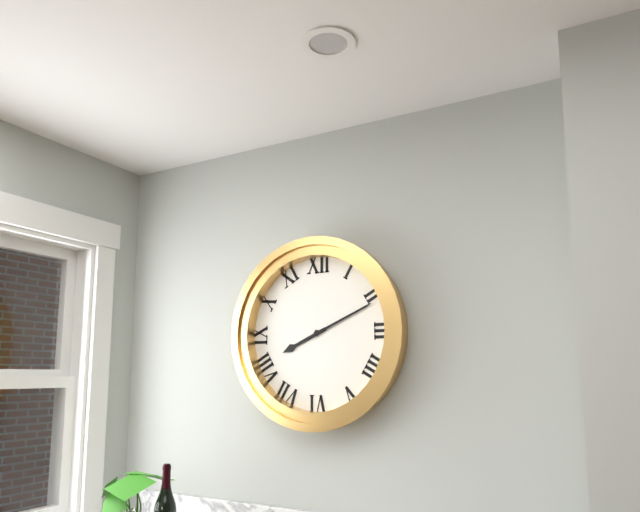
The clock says {"hour": 8, "minute": 11}
